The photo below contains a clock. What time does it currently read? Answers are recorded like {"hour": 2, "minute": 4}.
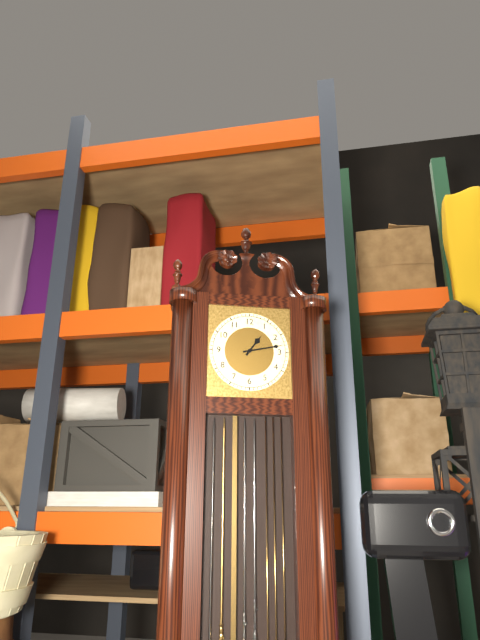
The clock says {"hour": 1, "minute": 13}
